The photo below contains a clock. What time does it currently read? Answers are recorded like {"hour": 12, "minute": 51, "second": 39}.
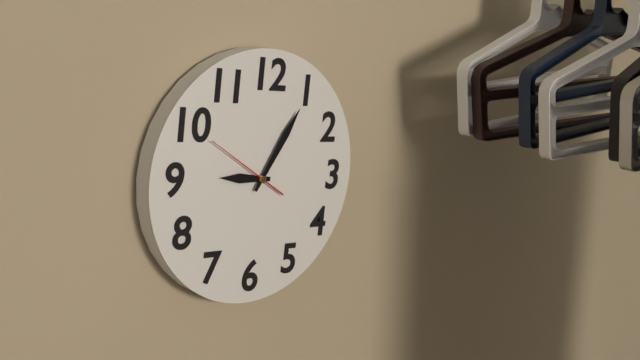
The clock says {"hour": 9, "minute": 5, "second": 50}
